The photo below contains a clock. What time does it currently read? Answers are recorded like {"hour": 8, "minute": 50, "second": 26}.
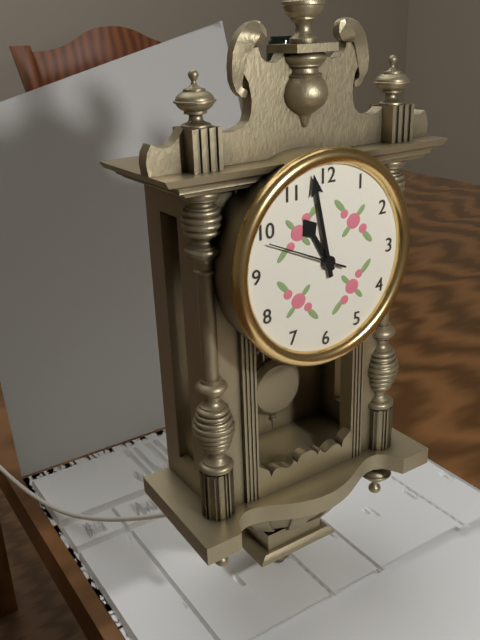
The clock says {"hour": 10, "minute": 58, "second": 49}
